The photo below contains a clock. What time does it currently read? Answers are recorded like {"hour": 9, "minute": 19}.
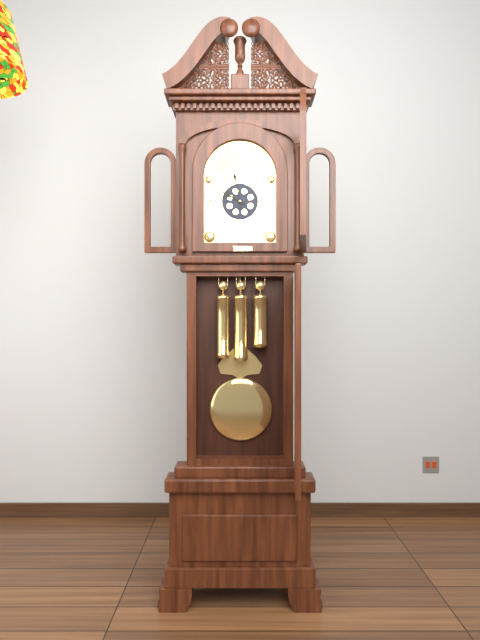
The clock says {"hour": 9, "minute": 58}
